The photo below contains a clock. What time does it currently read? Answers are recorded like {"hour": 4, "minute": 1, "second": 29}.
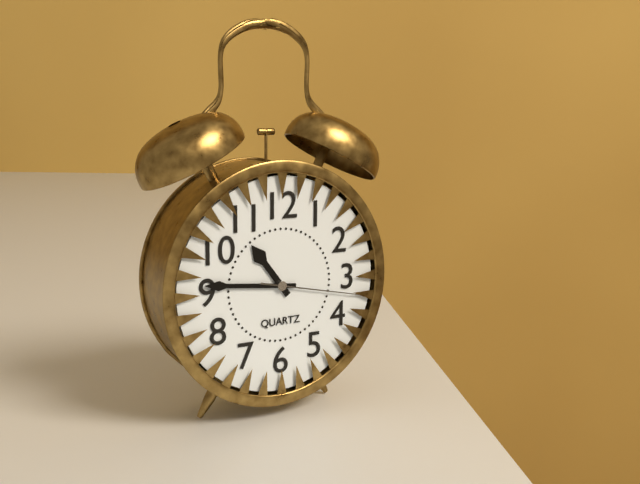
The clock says {"hour": 10, "minute": 46, "second": 17}
